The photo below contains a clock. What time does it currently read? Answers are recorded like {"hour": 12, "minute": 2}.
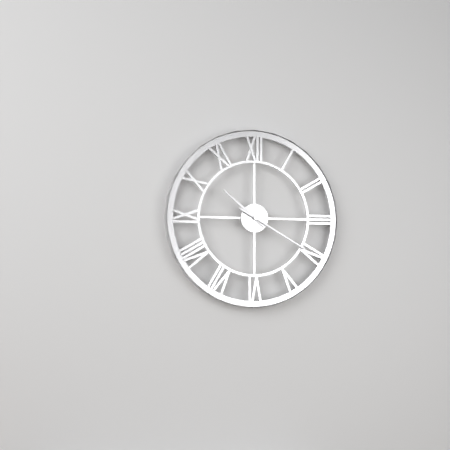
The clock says {"hour": 10, "minute": 20}
